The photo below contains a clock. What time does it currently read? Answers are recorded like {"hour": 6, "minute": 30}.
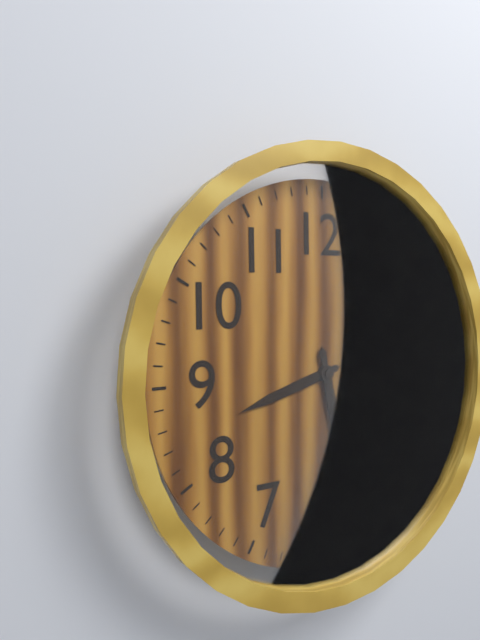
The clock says {"hour": 8, "minute": 28}
